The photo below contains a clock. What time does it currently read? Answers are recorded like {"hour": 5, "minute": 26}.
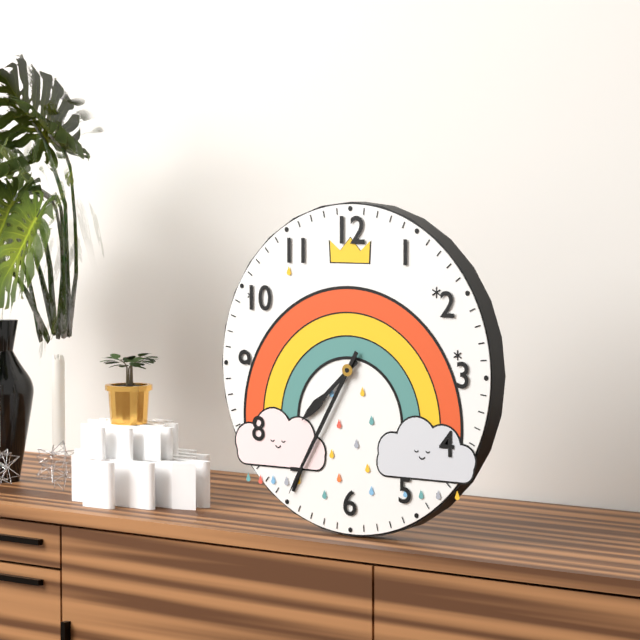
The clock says {"hour": 7, "minute": 35}
